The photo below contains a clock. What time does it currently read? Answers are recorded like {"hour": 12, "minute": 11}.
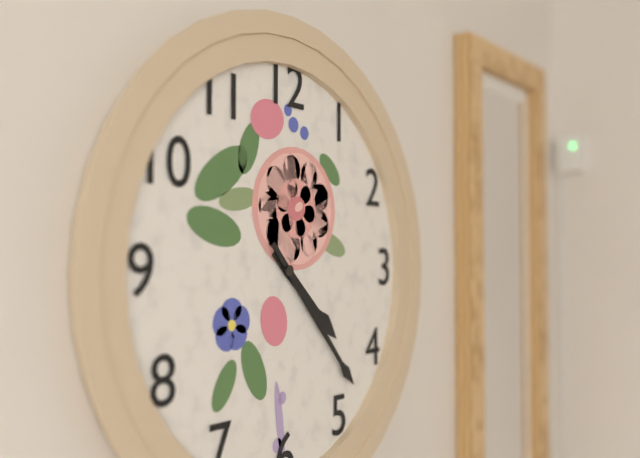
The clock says {"hour": 4, "minute": 23}
